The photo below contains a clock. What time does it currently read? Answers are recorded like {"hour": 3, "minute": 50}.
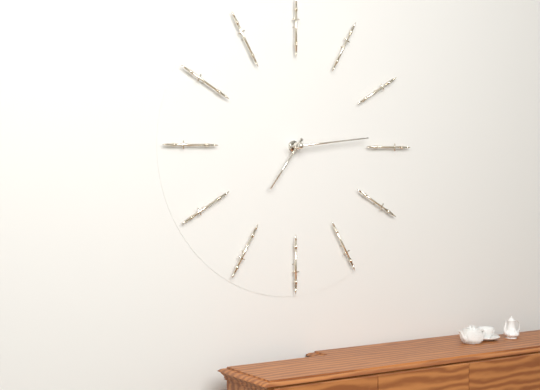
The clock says {"hour": 7, "minute": 14}
